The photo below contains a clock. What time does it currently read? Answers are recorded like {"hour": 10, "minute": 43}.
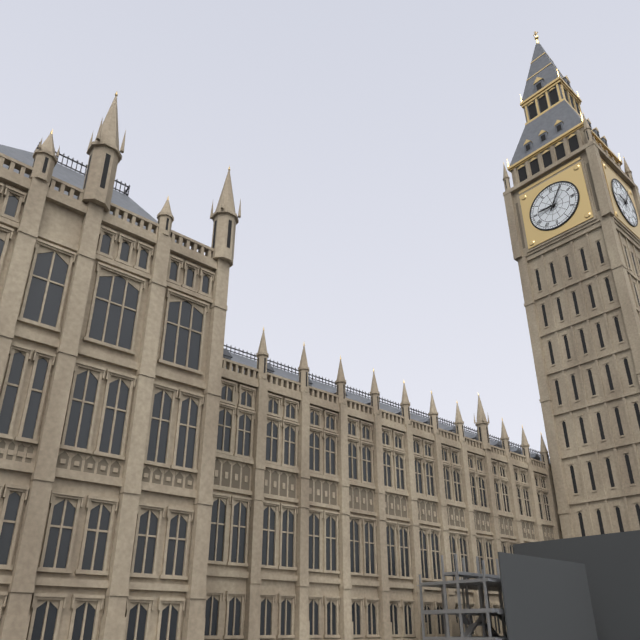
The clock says {"hour": 9, "minute": 5}
